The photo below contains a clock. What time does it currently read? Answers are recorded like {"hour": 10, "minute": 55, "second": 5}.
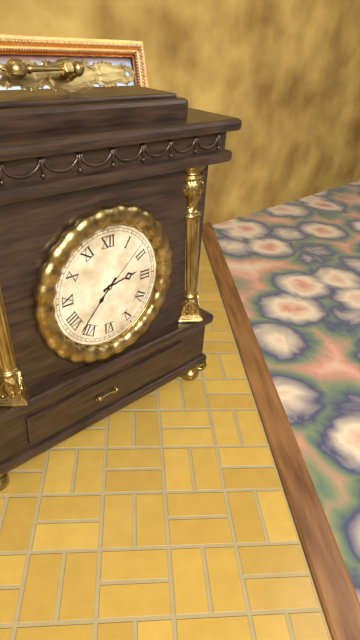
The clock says {"hour": 2, "minute": 37, "second": 8}
